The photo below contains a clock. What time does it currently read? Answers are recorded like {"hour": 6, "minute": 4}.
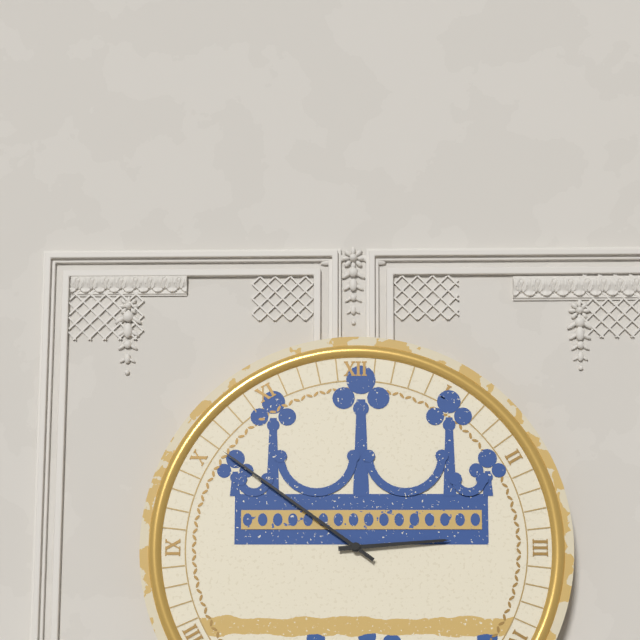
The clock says {"hour": 2, "minute": 51}
